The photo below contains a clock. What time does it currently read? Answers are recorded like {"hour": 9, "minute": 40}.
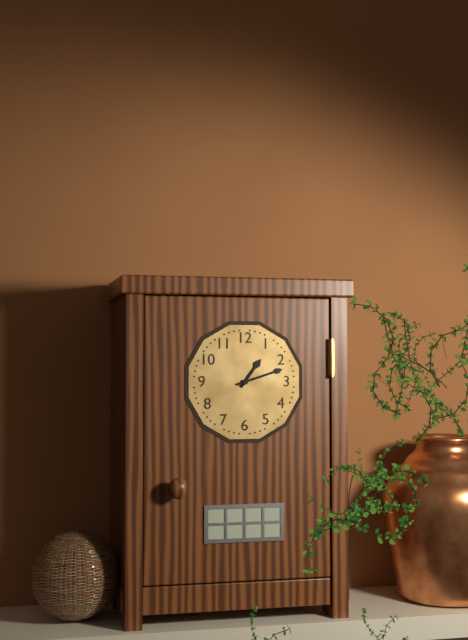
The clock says {"hour": 1, "minute": 12}
